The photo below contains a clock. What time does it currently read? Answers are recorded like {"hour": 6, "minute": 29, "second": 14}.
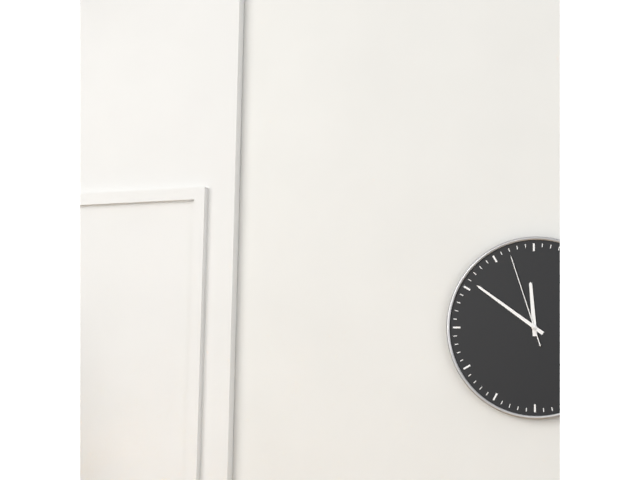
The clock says {"hour": 11, "minute": 51, "second": 57}
